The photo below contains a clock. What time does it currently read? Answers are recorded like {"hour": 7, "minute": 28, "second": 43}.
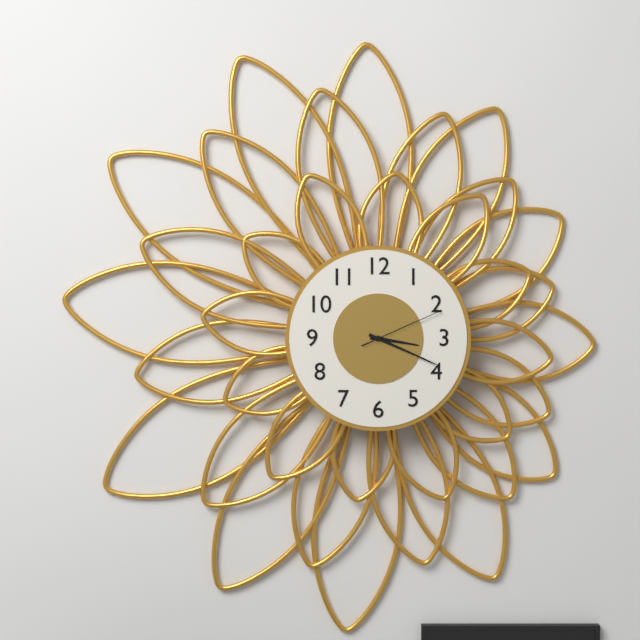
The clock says {"hour": 3, "minute": 19, "second": 11}
